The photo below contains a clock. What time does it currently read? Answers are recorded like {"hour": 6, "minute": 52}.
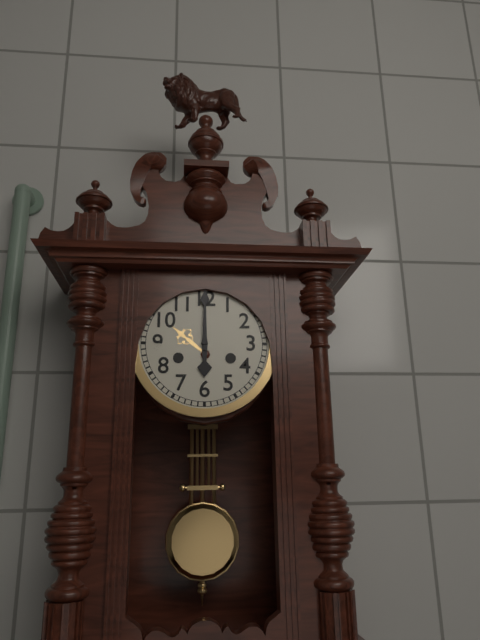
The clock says {"hour": 6, "minute": 0}
